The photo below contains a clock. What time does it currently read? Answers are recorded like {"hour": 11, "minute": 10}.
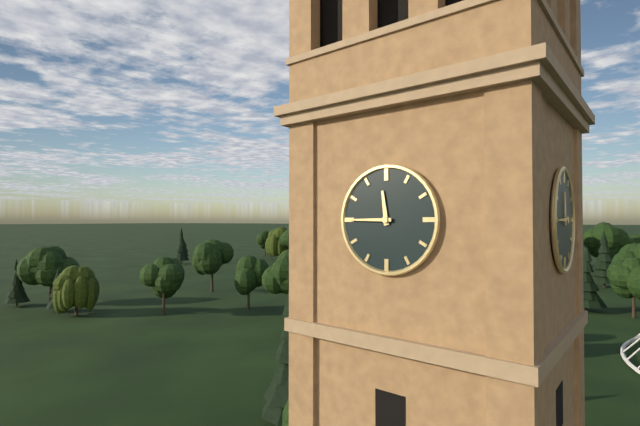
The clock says {"hour": 11, "minute": 45}
